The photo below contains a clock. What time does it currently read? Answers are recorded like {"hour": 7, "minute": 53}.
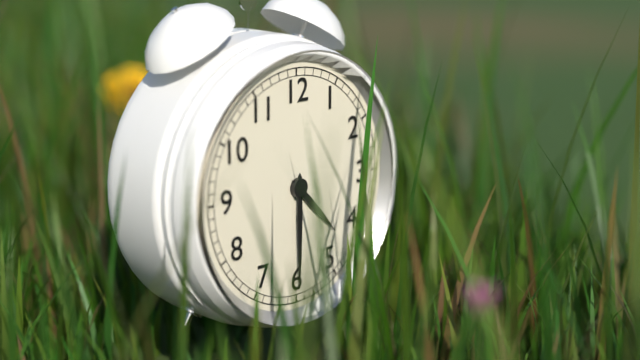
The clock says {"hour": 4, "minute": 30}
